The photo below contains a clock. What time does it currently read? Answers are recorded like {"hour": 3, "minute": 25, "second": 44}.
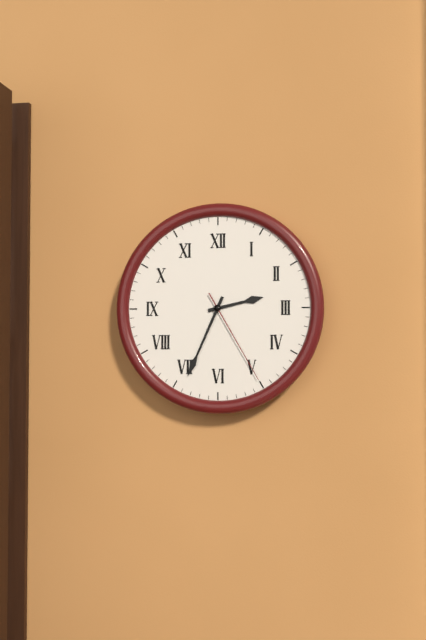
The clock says {"hour": 2, "minute": 34, "second": 25}
